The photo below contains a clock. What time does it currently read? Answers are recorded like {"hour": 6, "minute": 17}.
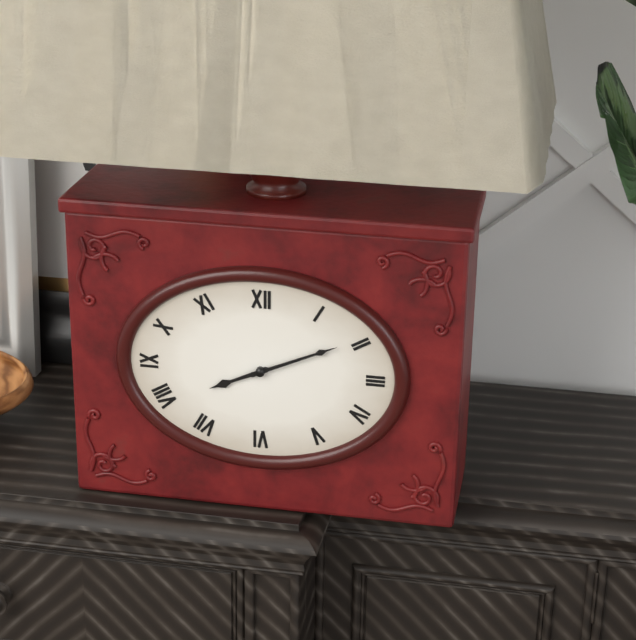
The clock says {"hour": 8, "minute": 11}
